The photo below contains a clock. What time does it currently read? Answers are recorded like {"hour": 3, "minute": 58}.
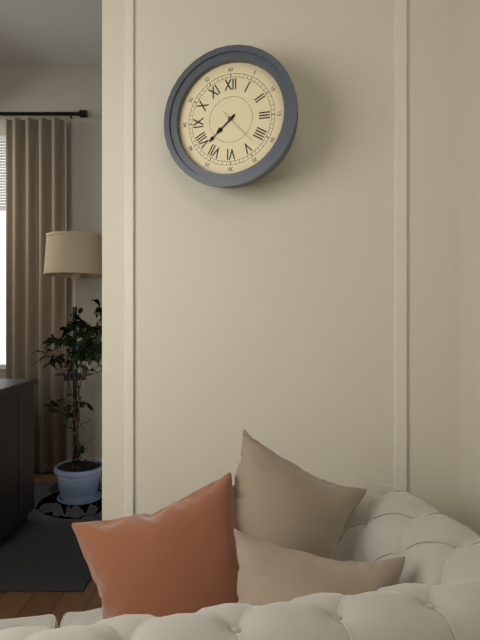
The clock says {"hour": 7, "minute": 38}
